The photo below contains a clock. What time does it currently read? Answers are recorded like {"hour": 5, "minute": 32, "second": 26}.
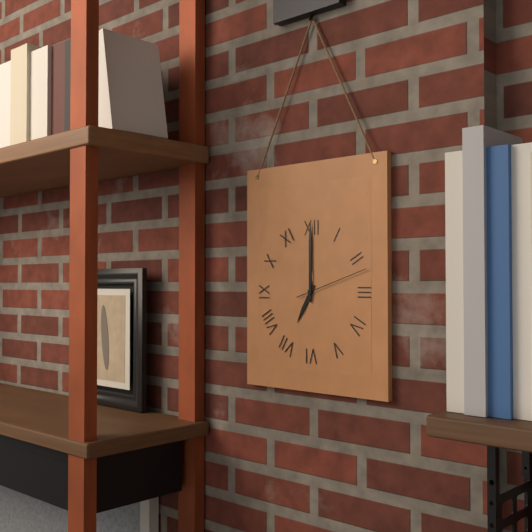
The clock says {"hour": 7, "minute": 0, "second": 12}
